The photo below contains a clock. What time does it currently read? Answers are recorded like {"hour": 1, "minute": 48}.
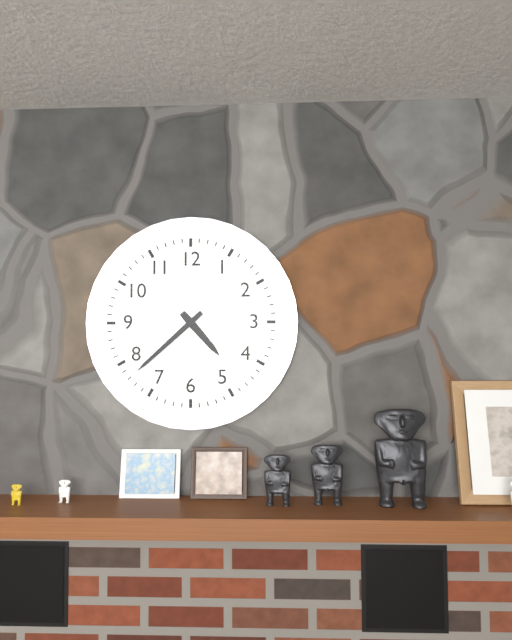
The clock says {"hour": 4, "minute": 38}
